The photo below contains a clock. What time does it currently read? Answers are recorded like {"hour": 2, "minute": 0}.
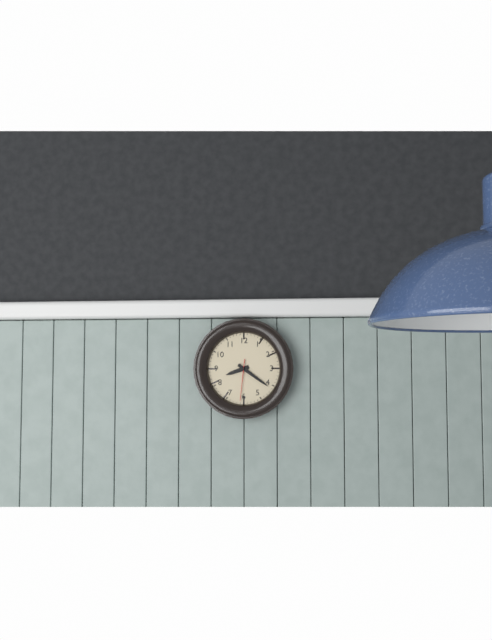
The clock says {"hour": 8, "minute": 21}
